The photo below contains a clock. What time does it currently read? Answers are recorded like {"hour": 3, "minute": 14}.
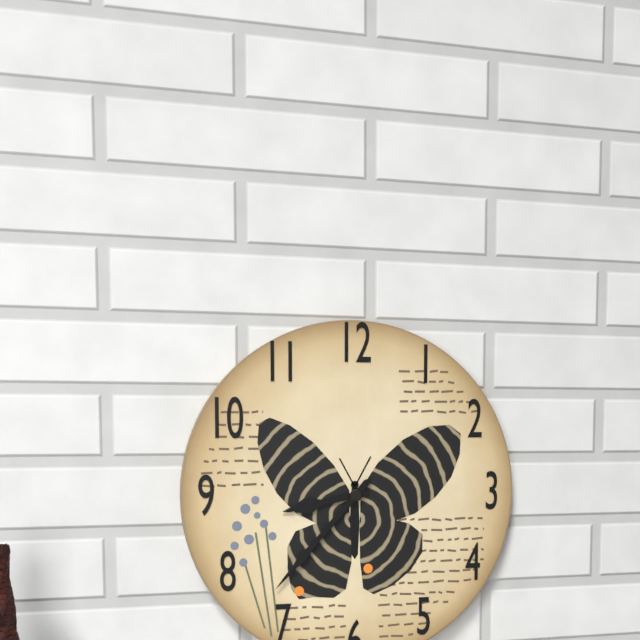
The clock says {"hour": 8, "minute": 37}
